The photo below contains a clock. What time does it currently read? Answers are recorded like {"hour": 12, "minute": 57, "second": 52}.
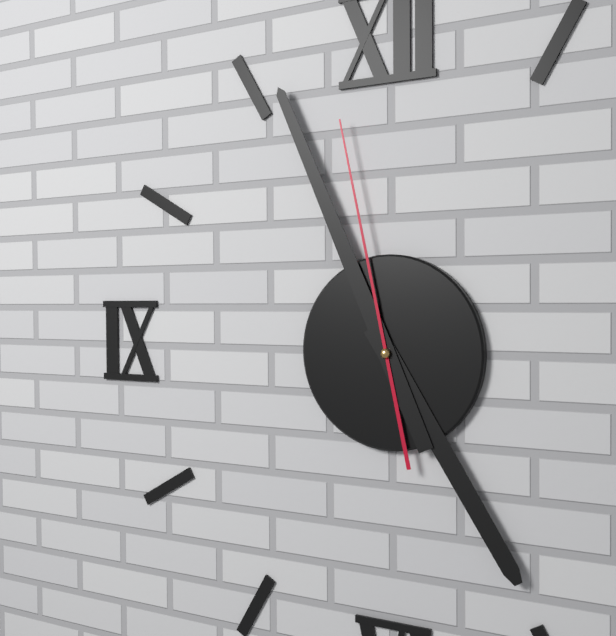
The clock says {"hour": 4, "minute": 56, "second": 58}
